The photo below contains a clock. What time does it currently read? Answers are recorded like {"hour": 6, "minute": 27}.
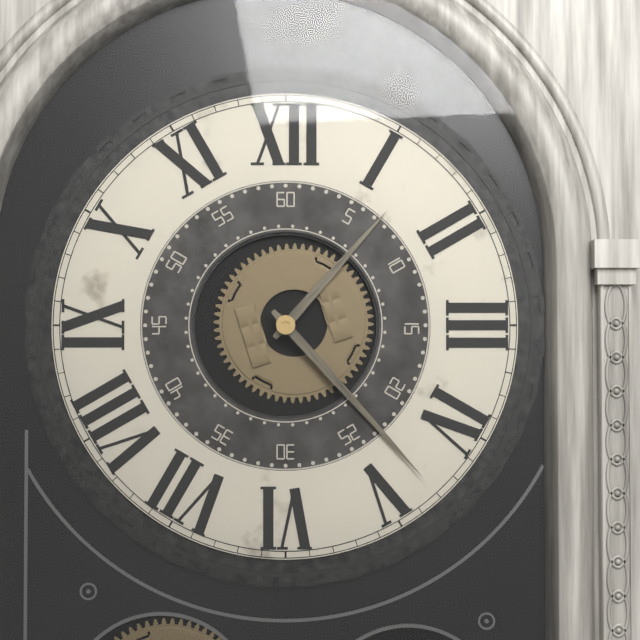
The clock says {"hour": 1, "minute": 23}
